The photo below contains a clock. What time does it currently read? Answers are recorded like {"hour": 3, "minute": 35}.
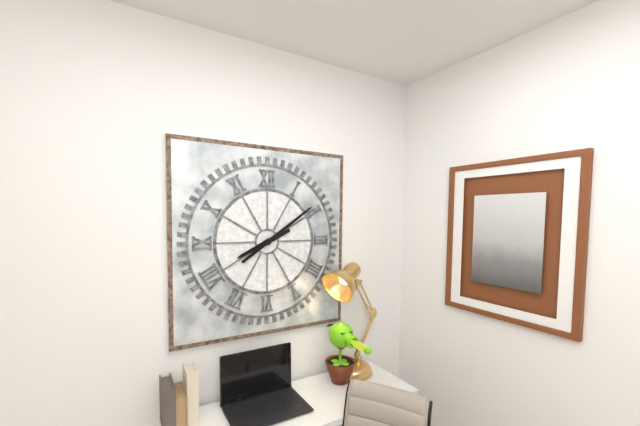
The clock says {"hour": 8, "minute": 9}
